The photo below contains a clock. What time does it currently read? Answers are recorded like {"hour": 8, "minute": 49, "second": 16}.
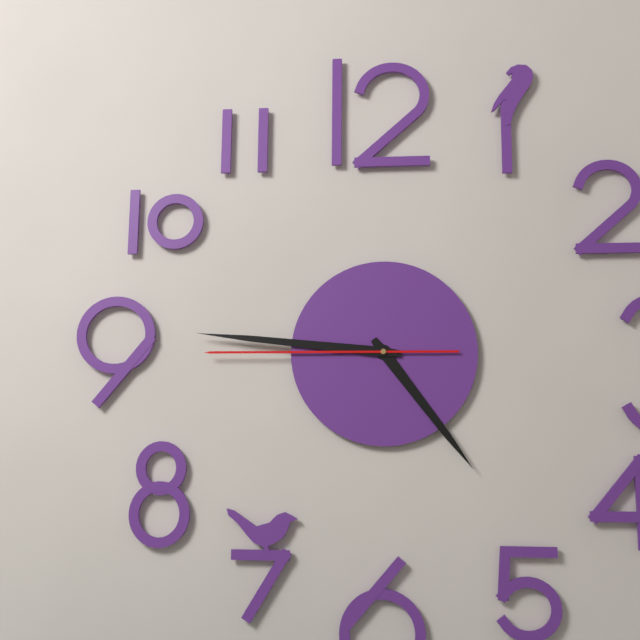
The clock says {"hour": 4, "minute": 46, "second": 45}
